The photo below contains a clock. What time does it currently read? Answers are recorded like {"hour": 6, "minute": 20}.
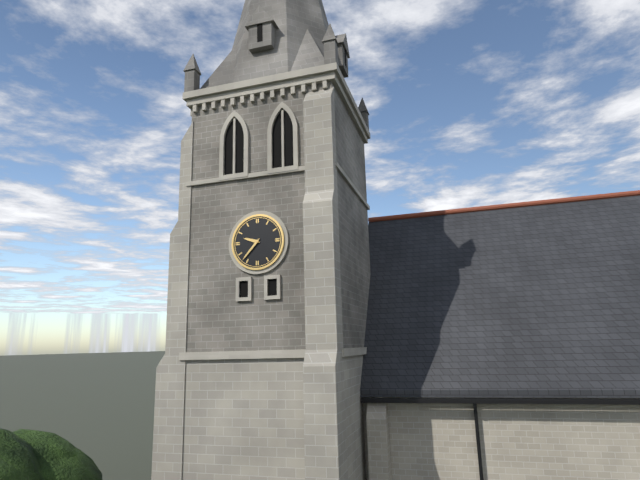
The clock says {"hour": 9, "minute": 37}
